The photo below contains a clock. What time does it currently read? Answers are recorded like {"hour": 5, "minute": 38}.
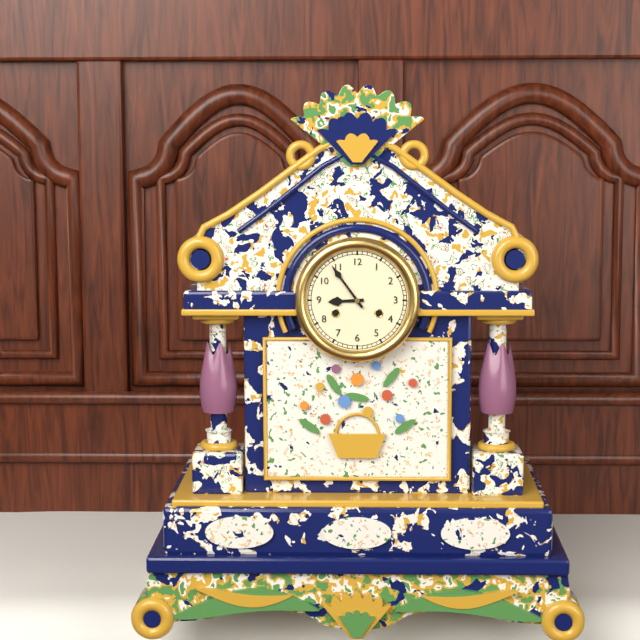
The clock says {"hour": 8, "minute": 54}
